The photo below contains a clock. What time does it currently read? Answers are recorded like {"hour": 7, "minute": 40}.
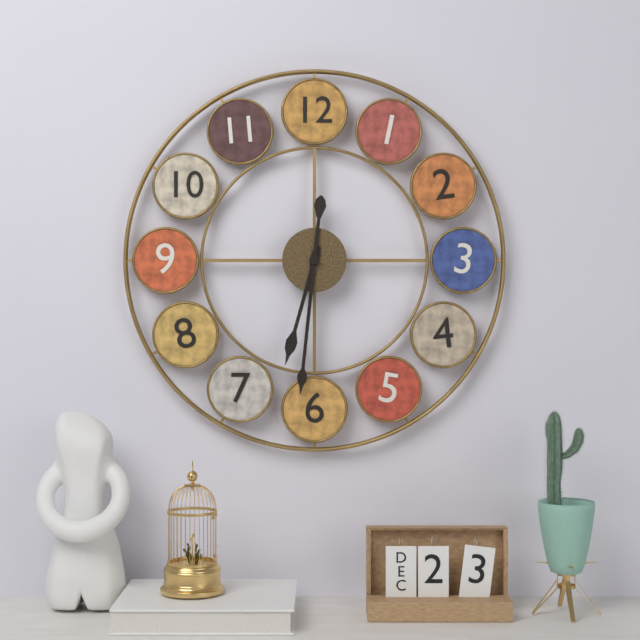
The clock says {"hour": 6, "minute": 31}
